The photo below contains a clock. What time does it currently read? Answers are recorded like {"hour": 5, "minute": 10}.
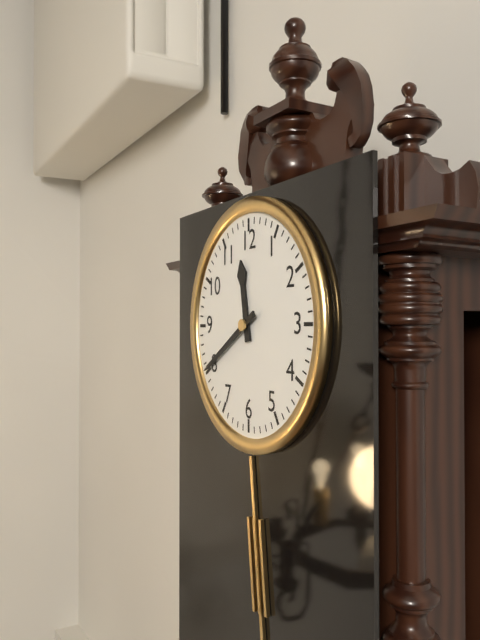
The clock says {"hour": 11, "minute": 40}
